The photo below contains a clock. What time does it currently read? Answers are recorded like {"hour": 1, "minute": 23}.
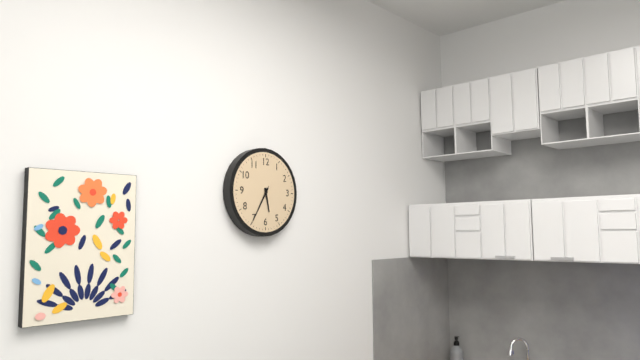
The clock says {"hour": 5, "minute": 35}
